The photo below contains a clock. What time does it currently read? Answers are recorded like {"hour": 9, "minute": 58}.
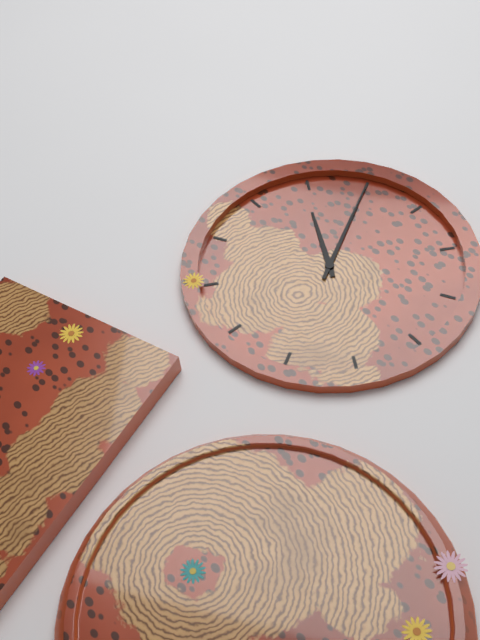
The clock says {"hour": 9, "minute": 55}
